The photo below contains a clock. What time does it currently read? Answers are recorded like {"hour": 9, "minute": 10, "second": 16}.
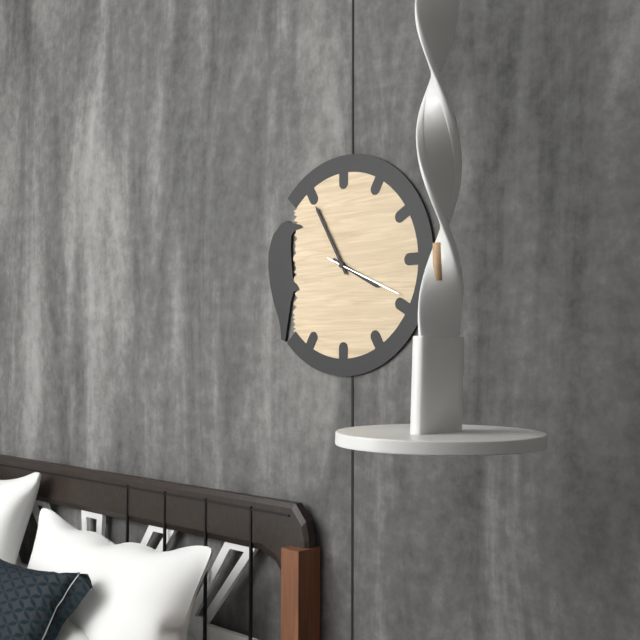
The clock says {"hour": 3, "minute": 55, "second": 19}
